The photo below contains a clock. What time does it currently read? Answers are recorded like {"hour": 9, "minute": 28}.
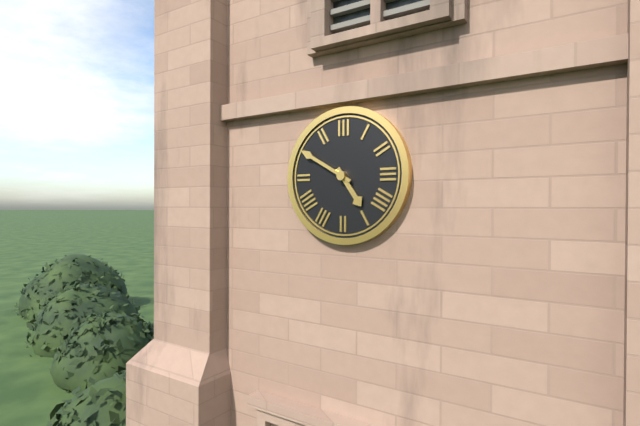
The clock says {"hour": 4, "minute": 50}
